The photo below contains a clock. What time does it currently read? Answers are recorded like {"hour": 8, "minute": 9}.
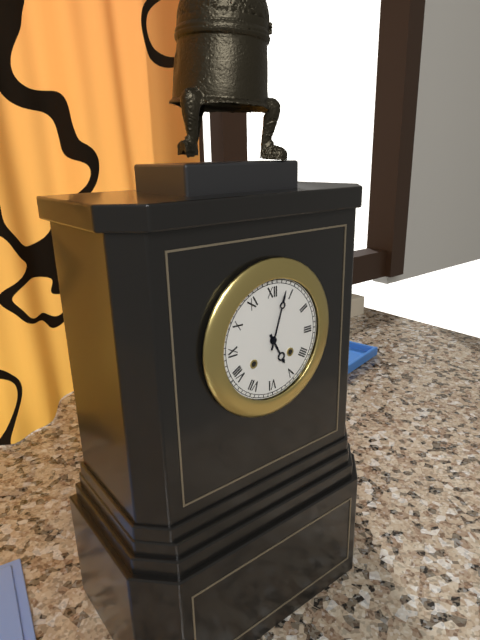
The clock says {"hour": 5, "minute": 3}
